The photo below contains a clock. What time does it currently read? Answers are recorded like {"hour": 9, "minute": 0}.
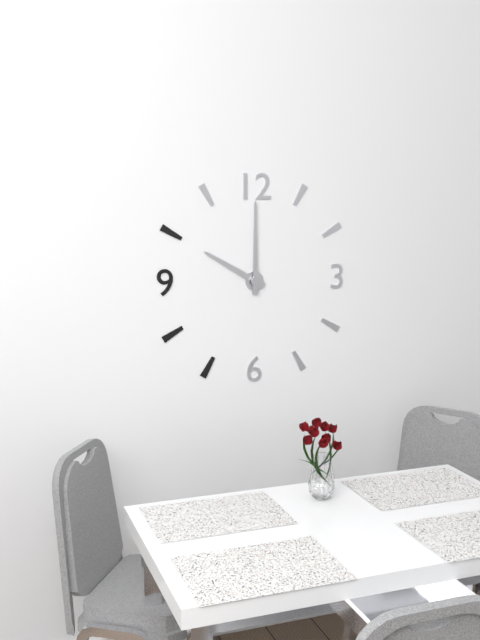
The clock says {"hour": 10, "minute": 0}
